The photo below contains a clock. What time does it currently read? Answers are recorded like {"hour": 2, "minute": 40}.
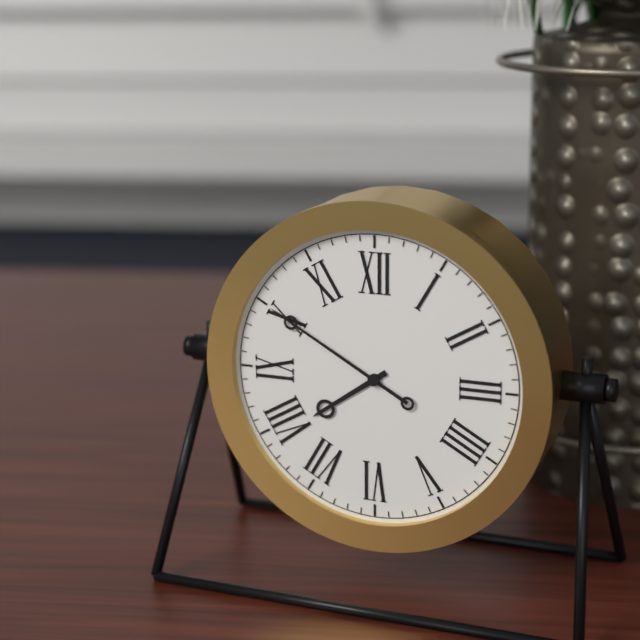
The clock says {"hour": 7, "minute": 50}
